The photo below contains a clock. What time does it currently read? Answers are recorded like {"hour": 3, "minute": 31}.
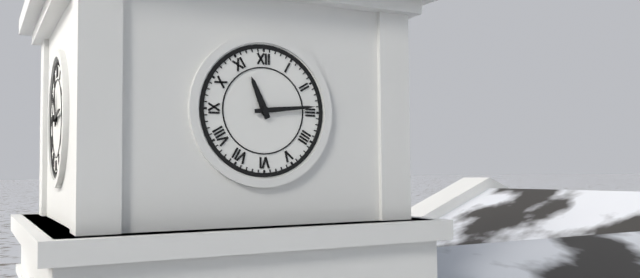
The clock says {"hour": 11, "minute": 14}
